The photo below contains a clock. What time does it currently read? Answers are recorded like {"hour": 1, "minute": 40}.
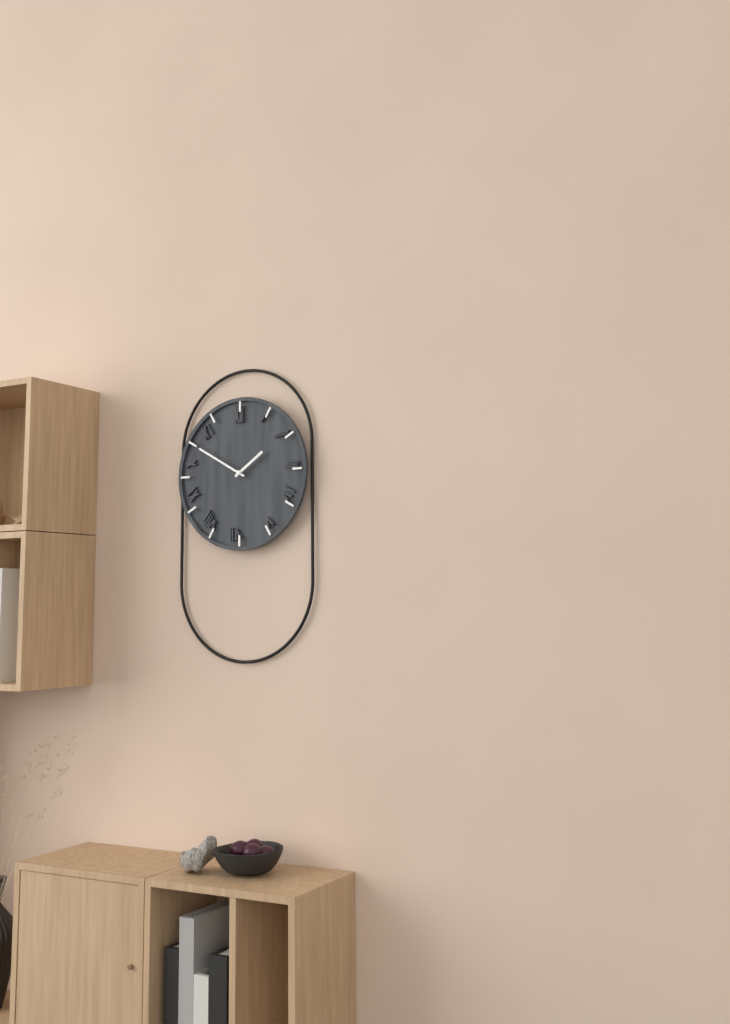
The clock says {"hour": 1, "minute": 50}
